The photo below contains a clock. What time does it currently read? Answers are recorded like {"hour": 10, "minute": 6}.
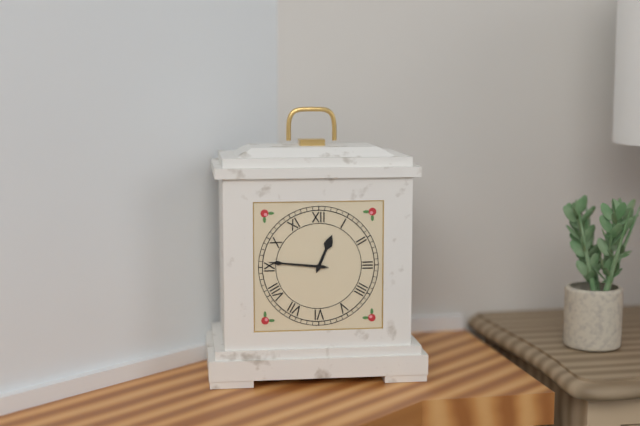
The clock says {"hour": 12, "minute": 46}
